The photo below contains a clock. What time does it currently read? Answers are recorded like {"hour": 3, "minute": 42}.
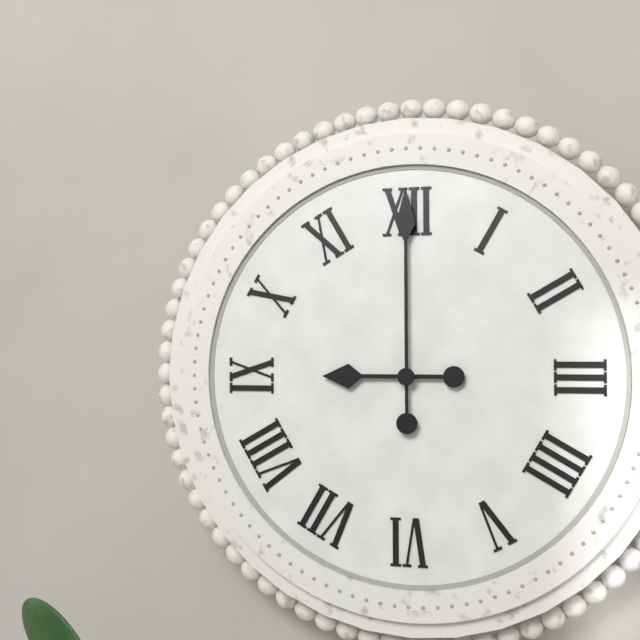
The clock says {"hour": 9, "minute": 0}
